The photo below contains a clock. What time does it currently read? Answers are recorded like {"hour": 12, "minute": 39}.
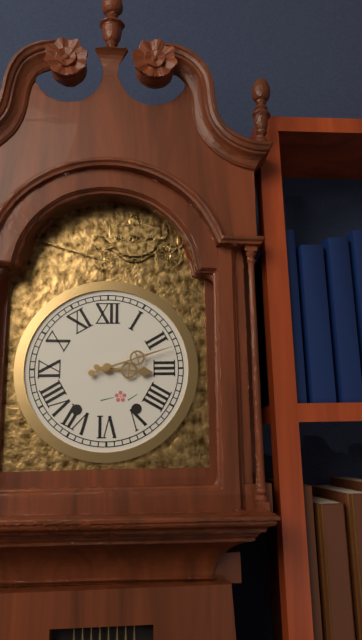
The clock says {"hour": 3, "minute": 12}
